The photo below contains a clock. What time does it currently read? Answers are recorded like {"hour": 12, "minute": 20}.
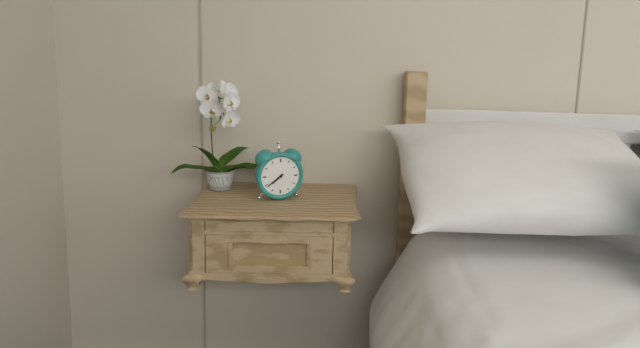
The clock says {"hour": 7, "minute": 39}
